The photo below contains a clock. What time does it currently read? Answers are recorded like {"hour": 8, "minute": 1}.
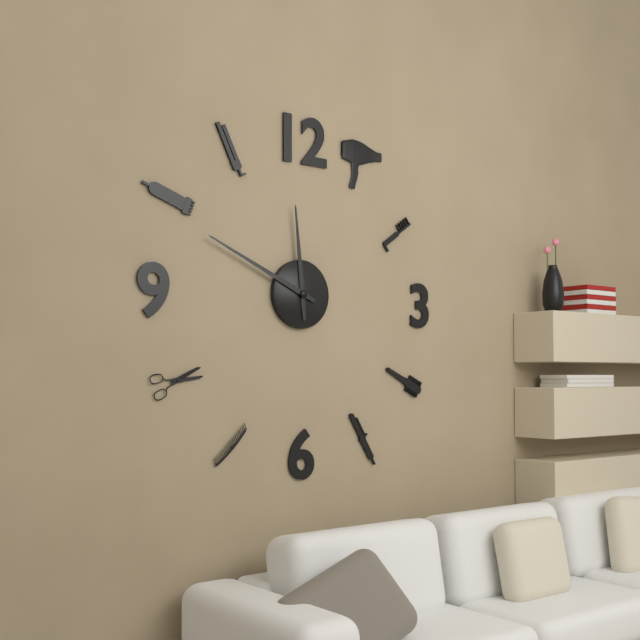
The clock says {"hour": 11, "minute": 49}
